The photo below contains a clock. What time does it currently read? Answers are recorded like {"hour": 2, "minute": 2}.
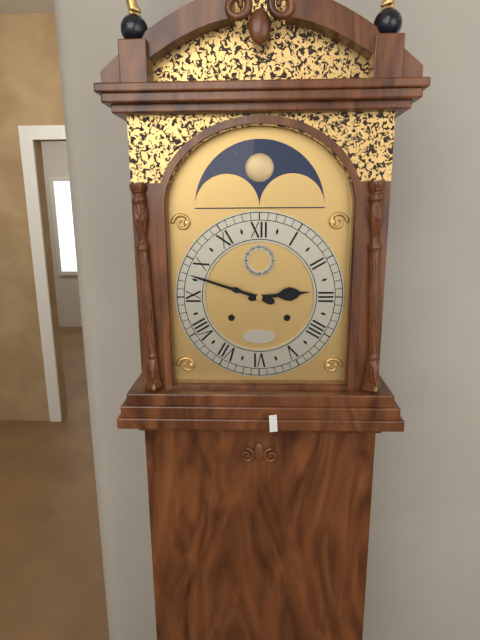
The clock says {"hour": 2, "minute": 48}
